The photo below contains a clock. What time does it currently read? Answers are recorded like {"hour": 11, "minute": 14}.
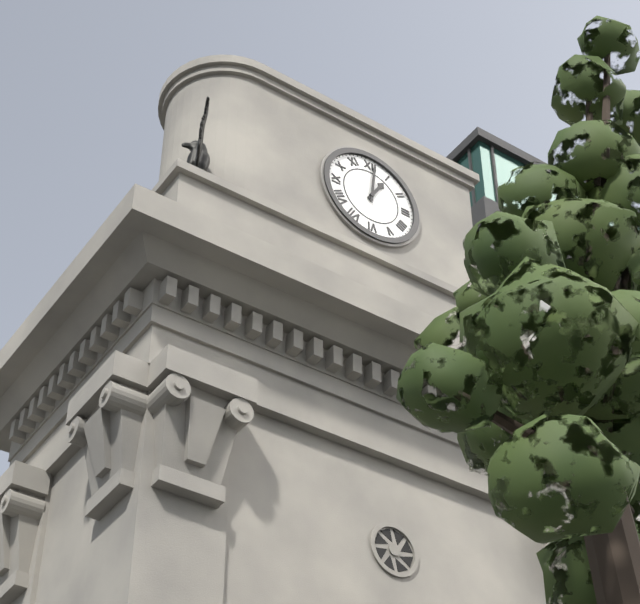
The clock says {"hour": 1, "minute": 1}
